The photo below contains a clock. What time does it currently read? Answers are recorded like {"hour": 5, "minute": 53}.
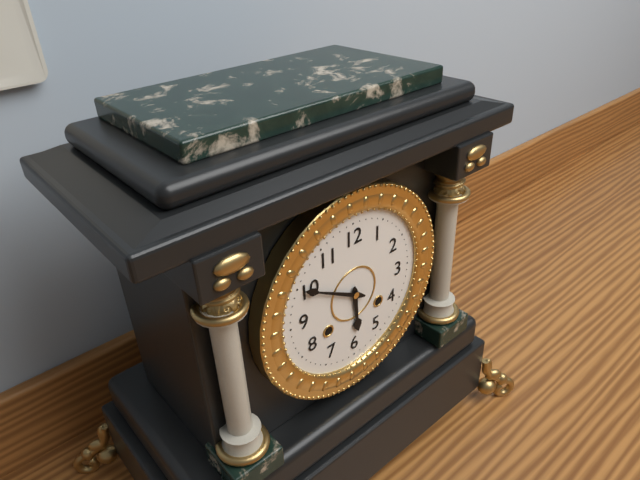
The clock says {"hour": 5, "minute": 50}
